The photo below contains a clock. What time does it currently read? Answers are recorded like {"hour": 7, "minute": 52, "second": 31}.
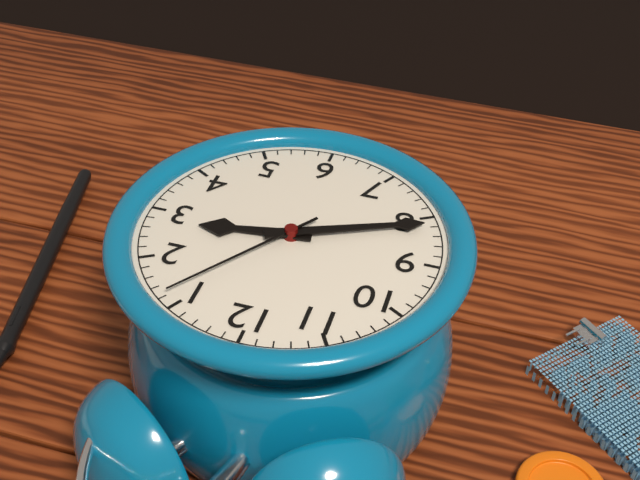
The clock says {"hour": 2, "minute": 41, "second": 6}
